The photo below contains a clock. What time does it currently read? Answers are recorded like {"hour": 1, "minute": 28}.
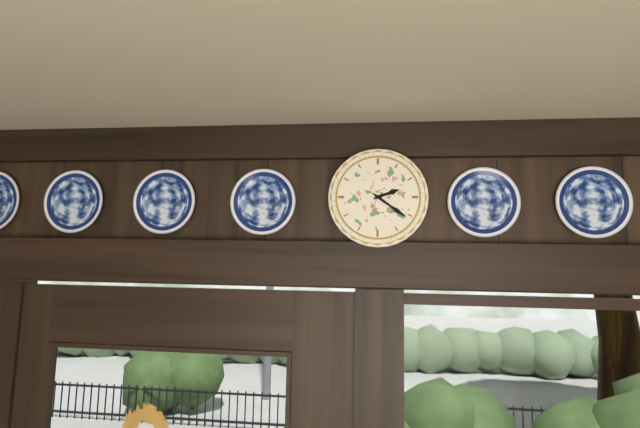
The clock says {"hour": 2, "minute": 21}
